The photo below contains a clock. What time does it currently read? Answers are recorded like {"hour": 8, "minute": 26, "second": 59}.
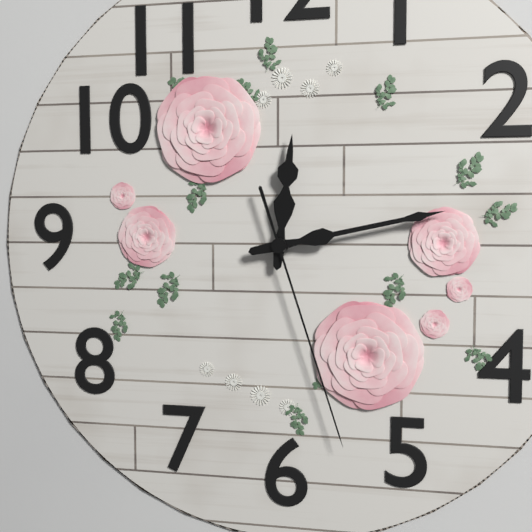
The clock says {"hour": 12, "minute": 13, "second": 27}
